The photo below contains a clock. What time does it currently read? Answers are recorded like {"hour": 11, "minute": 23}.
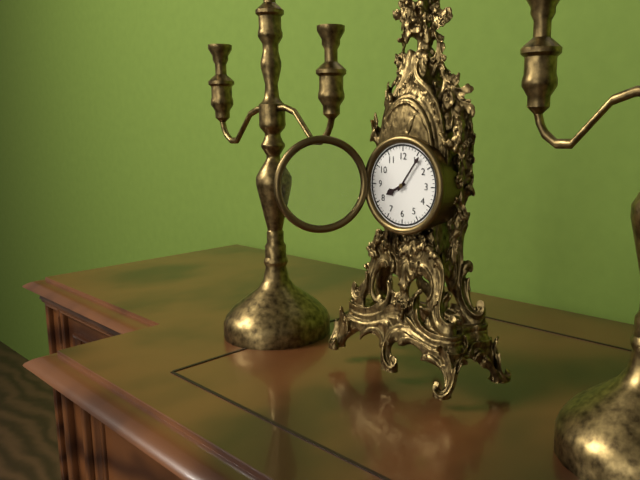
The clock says {"hour": 8, "minute": 6}
